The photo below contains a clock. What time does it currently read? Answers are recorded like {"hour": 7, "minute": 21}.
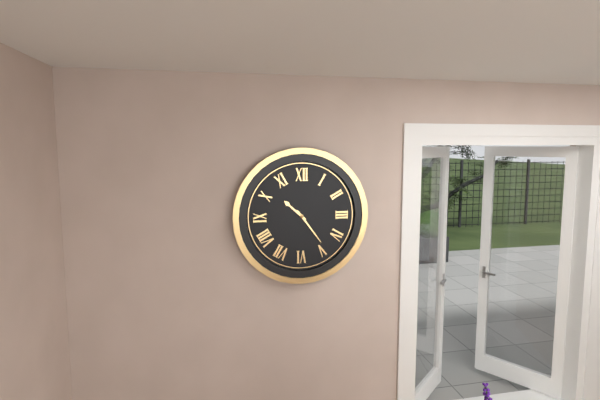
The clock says {"hour": 10, "minute": 24}
